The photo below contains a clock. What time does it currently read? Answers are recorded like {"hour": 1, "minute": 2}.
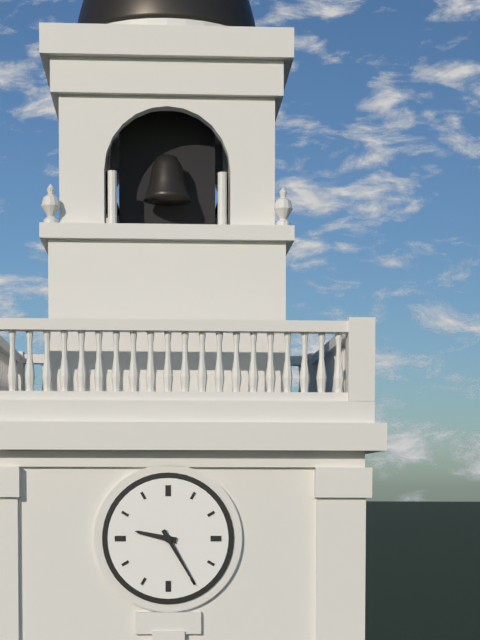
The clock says {"hour": 9, "minute": 25}
